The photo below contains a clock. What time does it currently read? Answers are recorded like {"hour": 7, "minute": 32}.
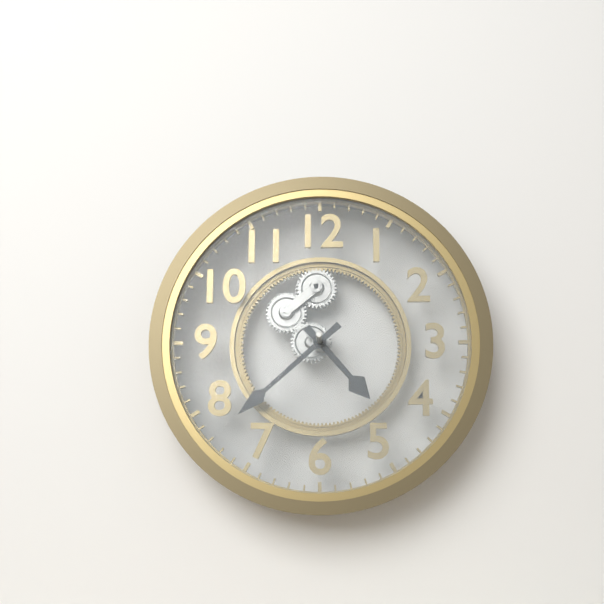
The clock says {"hour": 4, "minute": 38}
